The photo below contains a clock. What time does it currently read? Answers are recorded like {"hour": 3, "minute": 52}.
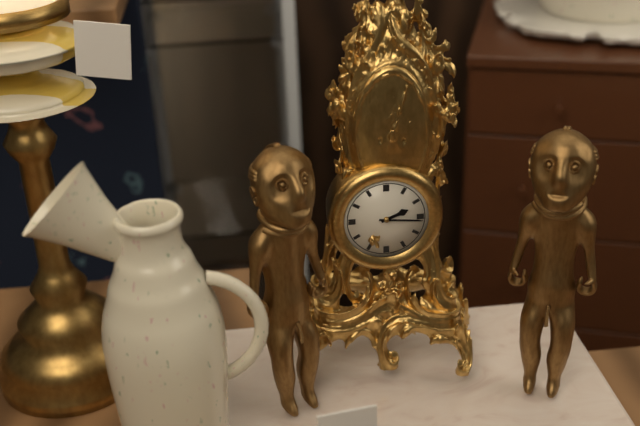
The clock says {"hour": 2, "minute": 16}
